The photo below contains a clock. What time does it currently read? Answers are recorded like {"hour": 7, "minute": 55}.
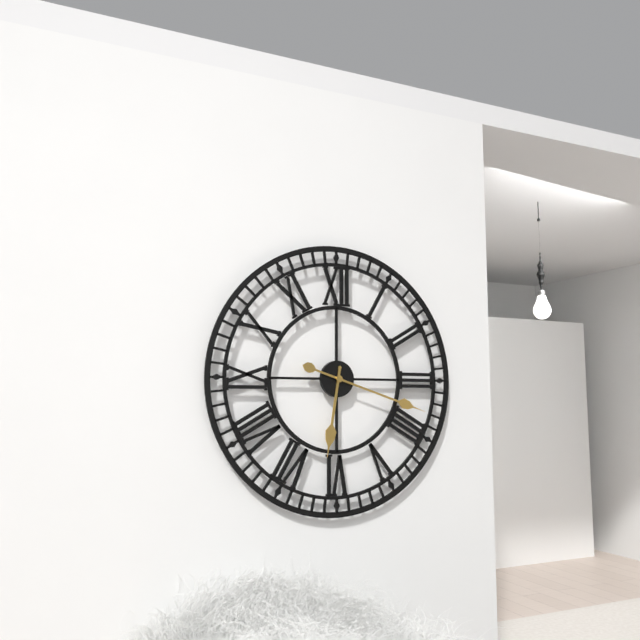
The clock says {"hour": 6, "minute": 18}
